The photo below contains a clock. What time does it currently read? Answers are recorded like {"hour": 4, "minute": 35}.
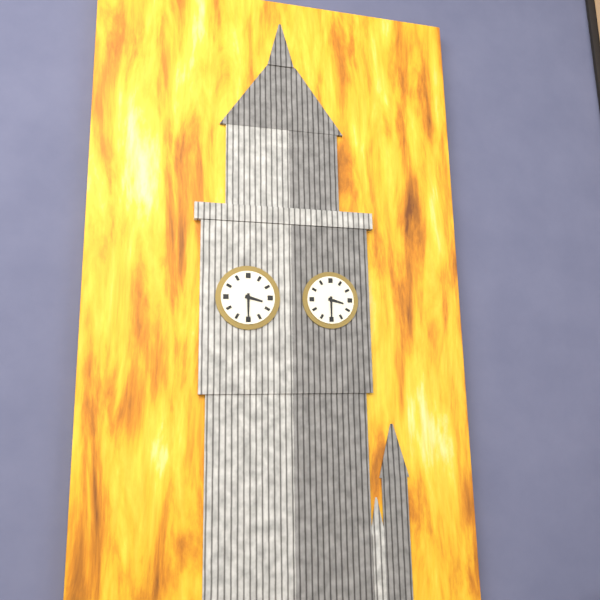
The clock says {"hour": 3, "minute": 30}
